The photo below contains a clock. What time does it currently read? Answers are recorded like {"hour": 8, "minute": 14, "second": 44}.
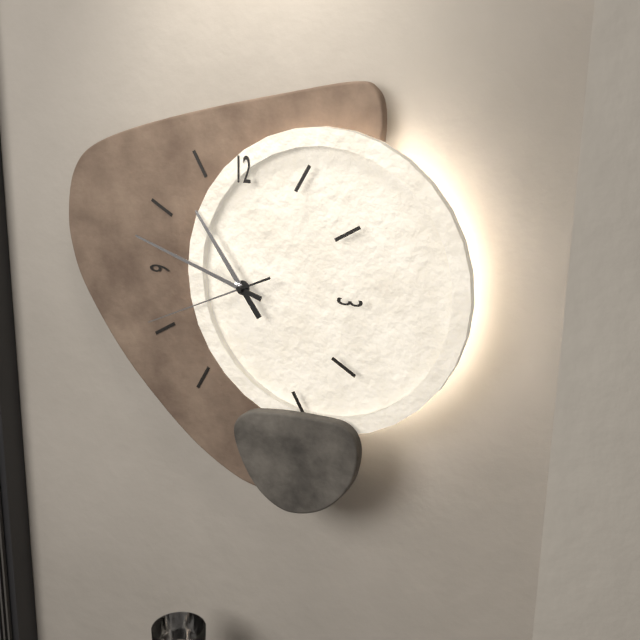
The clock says {"hour": 10, "minute": 48, "second": 41}
